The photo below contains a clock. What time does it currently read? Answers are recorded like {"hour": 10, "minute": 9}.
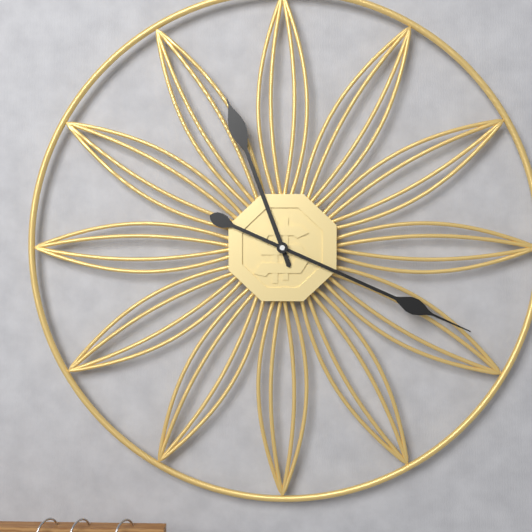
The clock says {"hour": 11, "minute": 19}
